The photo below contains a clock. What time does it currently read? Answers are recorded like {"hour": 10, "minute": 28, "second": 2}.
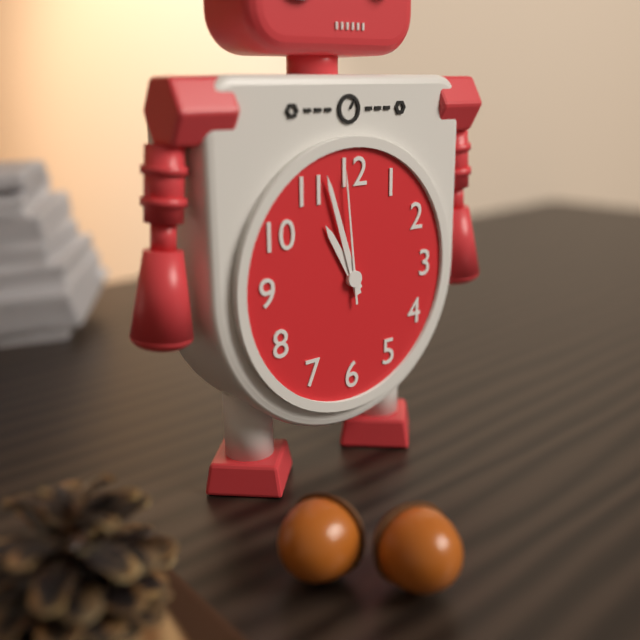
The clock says {"hour": 10, "minute": 57, "second": 59}
